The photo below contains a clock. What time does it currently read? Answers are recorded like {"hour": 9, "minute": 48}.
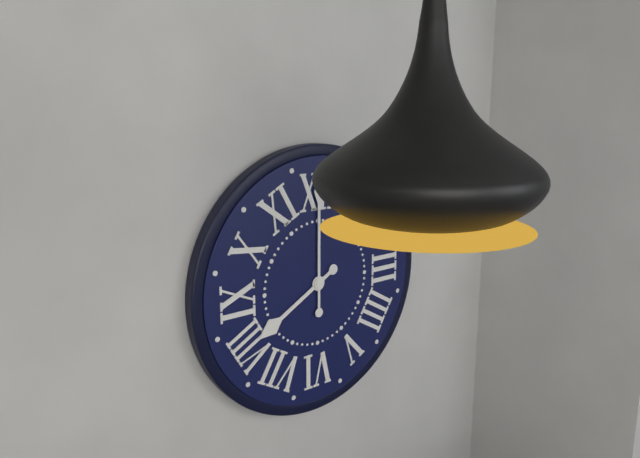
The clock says {"hour": 8, "minute": 0}
